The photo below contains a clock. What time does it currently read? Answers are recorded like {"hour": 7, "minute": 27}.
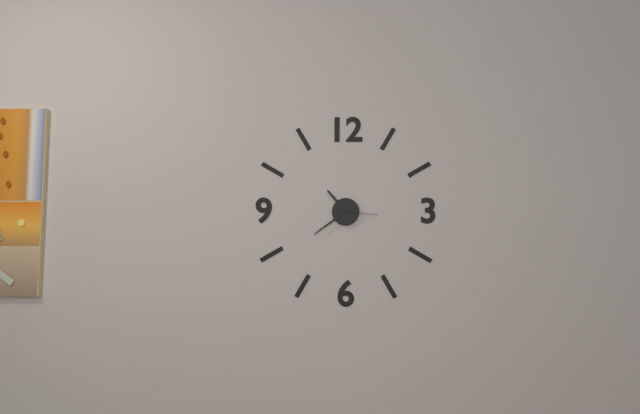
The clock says {"hour": 10, "minute": 39}
